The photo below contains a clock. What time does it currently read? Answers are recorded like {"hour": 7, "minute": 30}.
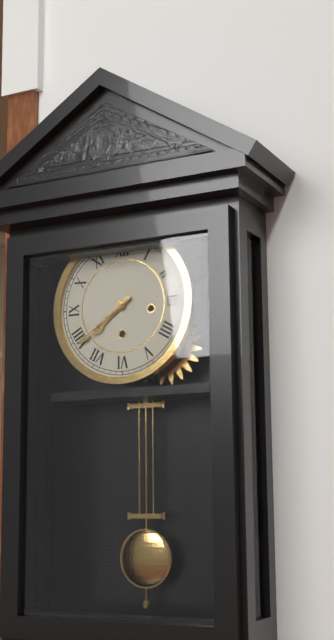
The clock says {"hour": 7, "minute": 39}
